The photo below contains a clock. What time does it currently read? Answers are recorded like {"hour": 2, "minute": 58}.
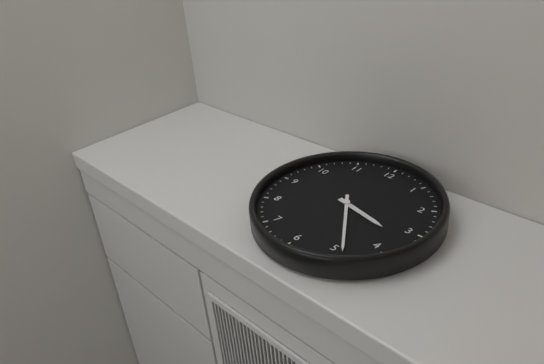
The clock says {"hour": 3, "minute": 24}
